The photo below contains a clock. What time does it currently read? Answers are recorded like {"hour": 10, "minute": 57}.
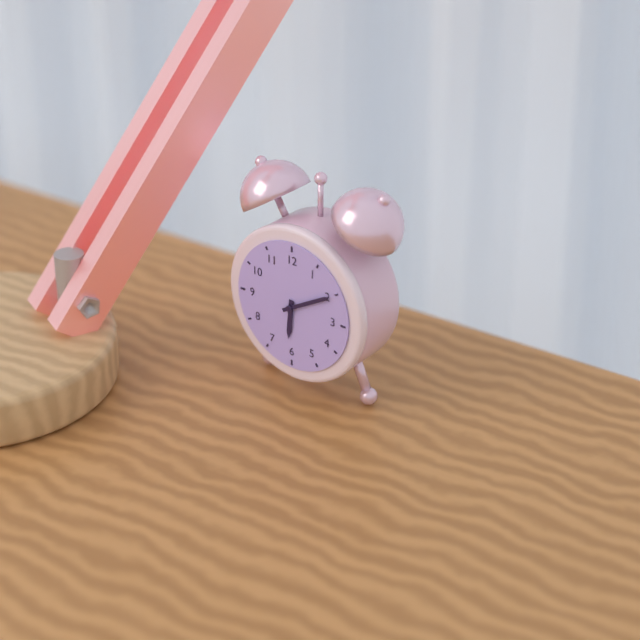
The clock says {"hour": 6, "minute": 10}
